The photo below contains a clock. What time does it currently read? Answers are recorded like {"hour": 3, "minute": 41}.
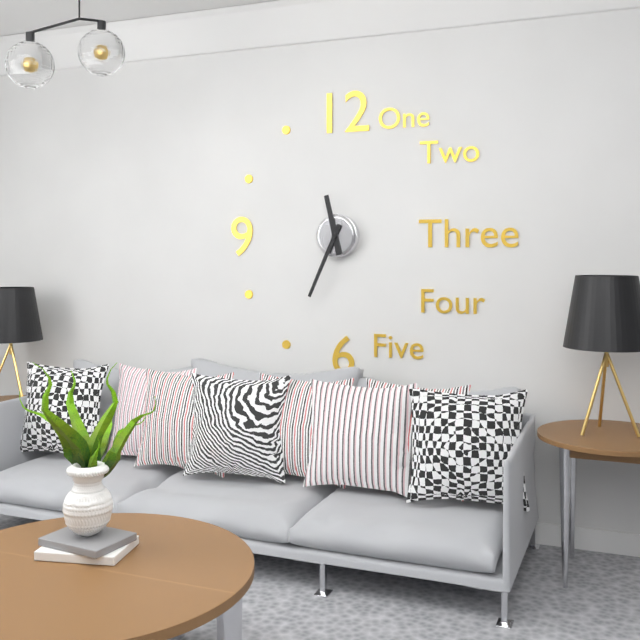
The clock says {"hour": 11, "minute": 34}
